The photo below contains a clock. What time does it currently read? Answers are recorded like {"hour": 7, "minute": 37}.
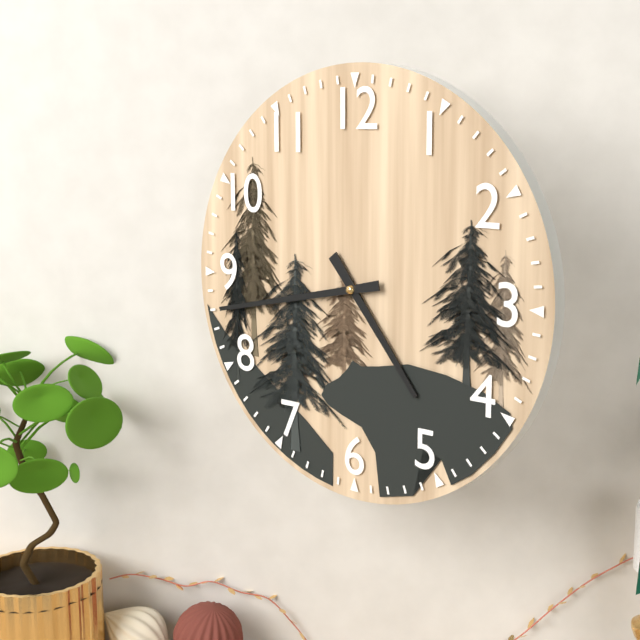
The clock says {"hour": 4, "minute": 43}
